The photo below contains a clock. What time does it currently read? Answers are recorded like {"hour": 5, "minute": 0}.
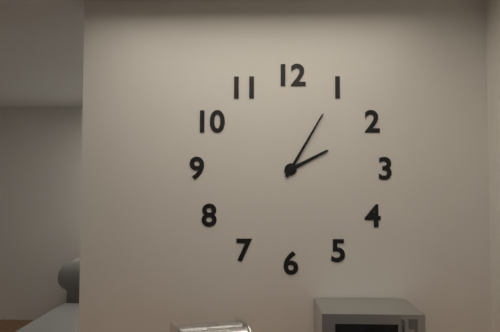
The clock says {"hour": 2, "minute": 5}
